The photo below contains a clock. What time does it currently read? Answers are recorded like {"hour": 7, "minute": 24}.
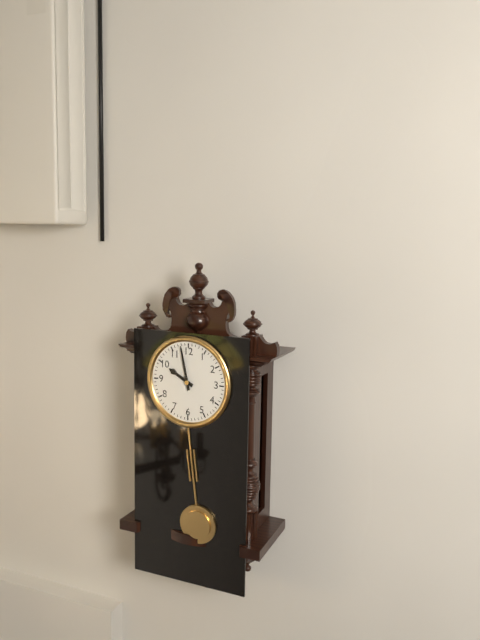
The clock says {"hour": 9, "minute": 58}
